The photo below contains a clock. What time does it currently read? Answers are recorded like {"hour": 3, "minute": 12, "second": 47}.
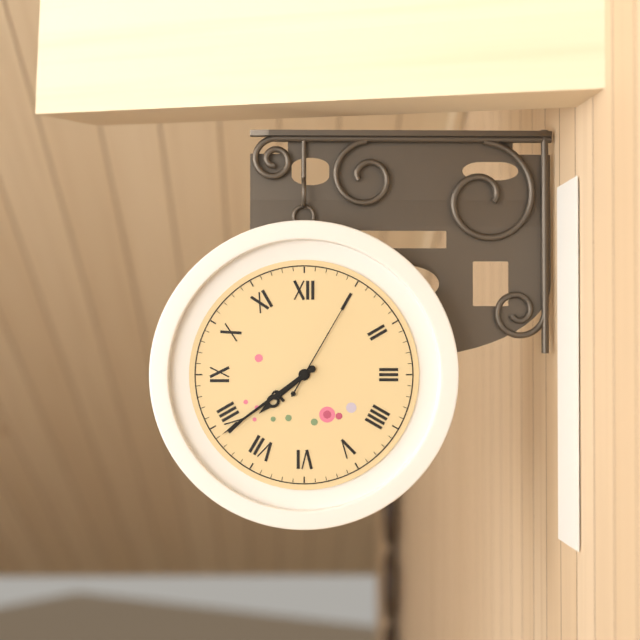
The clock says {"hour": 7, "minute": 39, "second": 5}
